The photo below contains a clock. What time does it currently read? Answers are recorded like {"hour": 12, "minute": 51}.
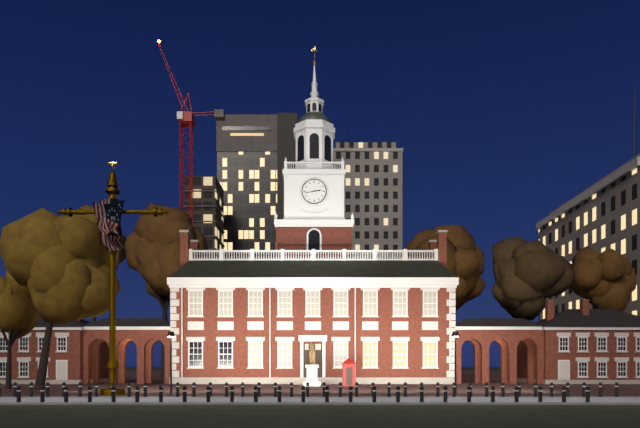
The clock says {"hour": 2, "minute": 43}
